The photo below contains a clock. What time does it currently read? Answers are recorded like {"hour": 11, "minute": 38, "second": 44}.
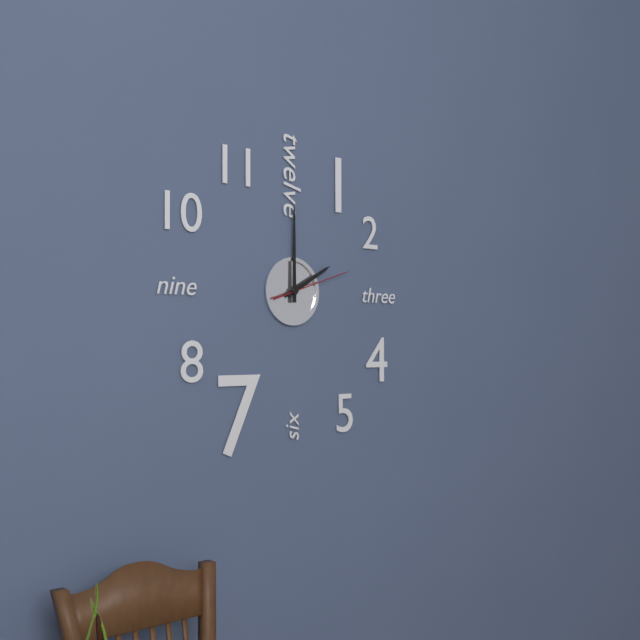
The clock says {"hour": 2, "minute": 0, "second": 12}
